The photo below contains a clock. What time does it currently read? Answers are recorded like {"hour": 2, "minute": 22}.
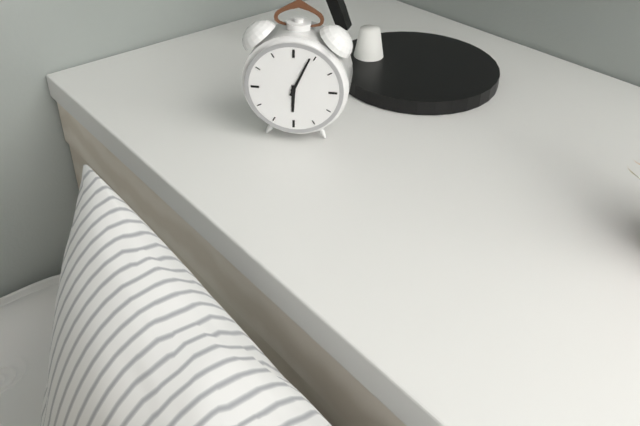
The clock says {"hour": 6, "minute": 4}
